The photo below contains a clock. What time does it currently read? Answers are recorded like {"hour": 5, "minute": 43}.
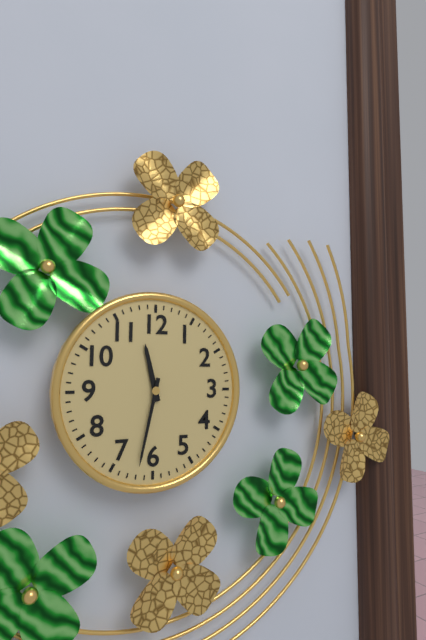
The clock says {"hour": 11, "minute": 32}
